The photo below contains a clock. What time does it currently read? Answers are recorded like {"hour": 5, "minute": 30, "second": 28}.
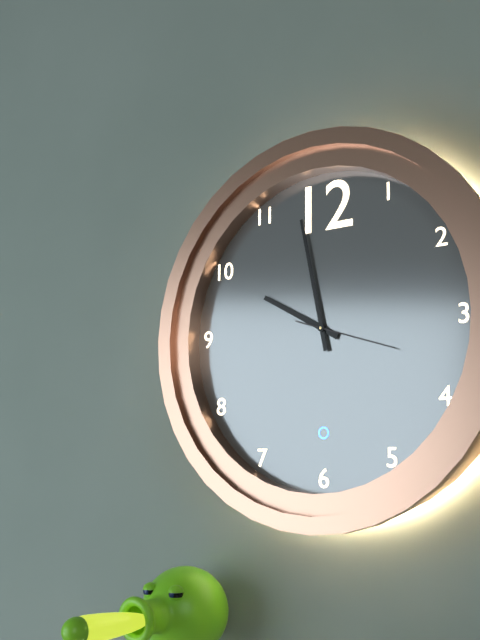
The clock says {"hour": 9, "minute": 58, "second": 18}
